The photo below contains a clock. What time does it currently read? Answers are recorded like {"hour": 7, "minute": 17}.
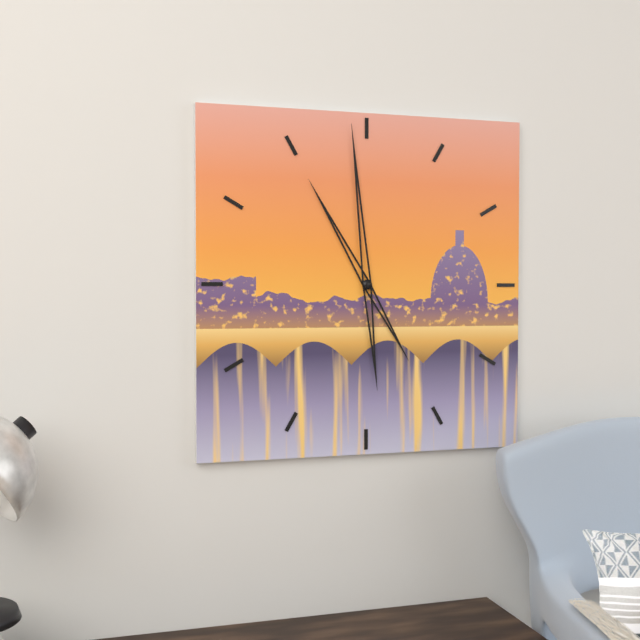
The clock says {"hour": 10, "minute": 59}
